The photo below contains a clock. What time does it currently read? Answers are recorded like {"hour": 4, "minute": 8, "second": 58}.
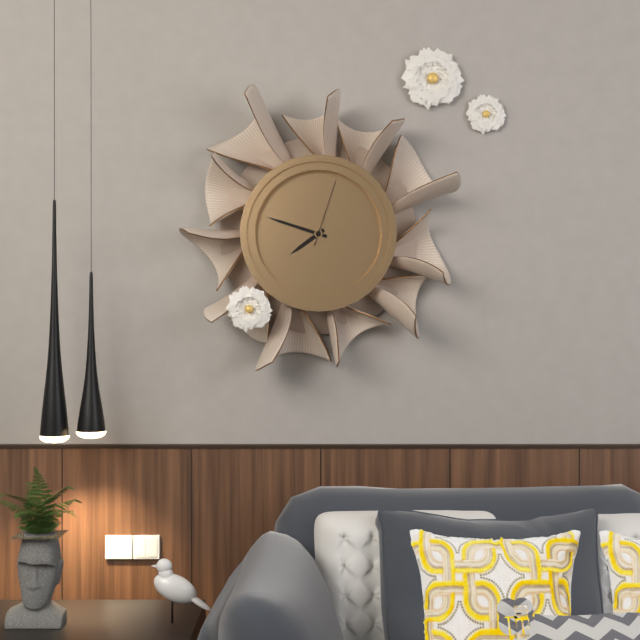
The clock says {"hour": 7, "minute": 48, "second": 3}
